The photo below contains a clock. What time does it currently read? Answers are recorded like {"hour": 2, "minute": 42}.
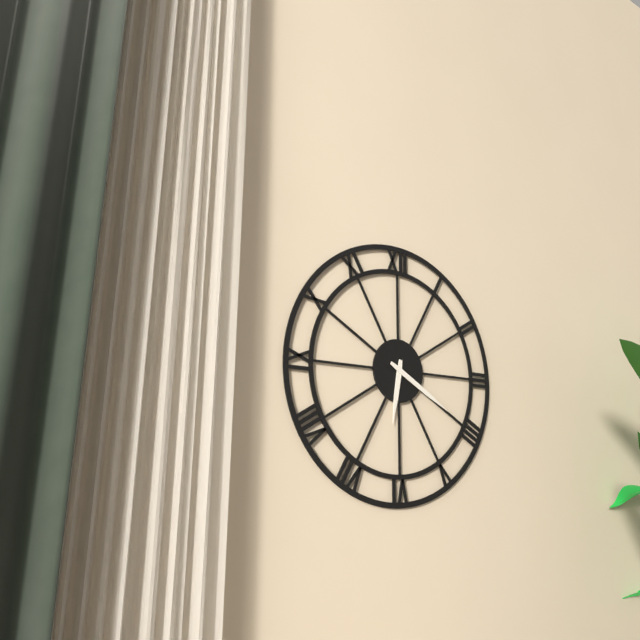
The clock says {"hour": 6, "minute": 20}
